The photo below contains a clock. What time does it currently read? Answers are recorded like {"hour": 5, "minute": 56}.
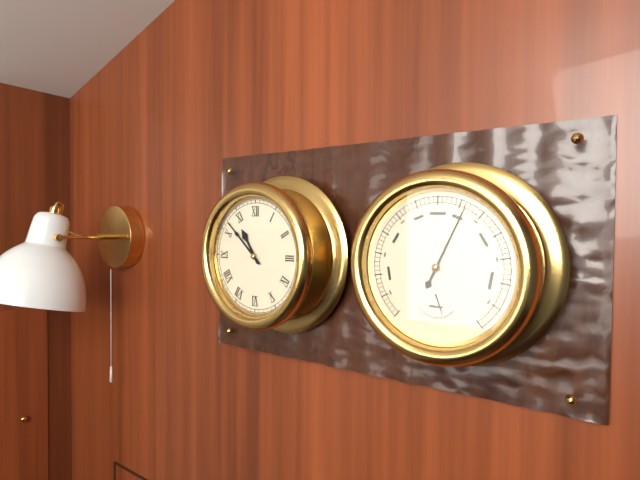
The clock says {"hour": 10, "minute": 52}
